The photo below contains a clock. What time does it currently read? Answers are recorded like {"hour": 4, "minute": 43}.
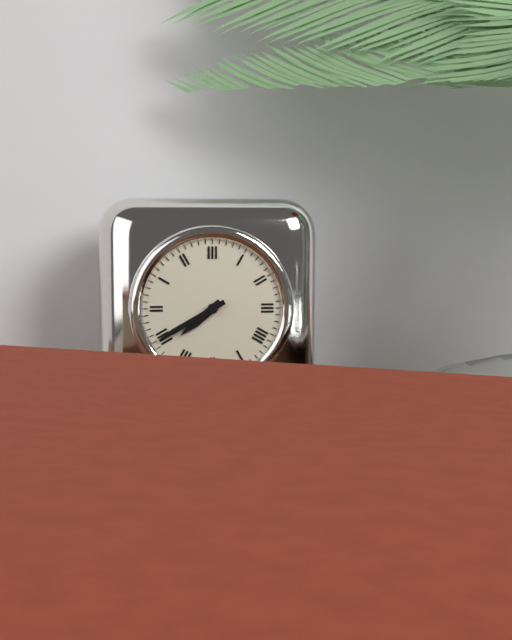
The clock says {"hour": 7, "minute": 40}
